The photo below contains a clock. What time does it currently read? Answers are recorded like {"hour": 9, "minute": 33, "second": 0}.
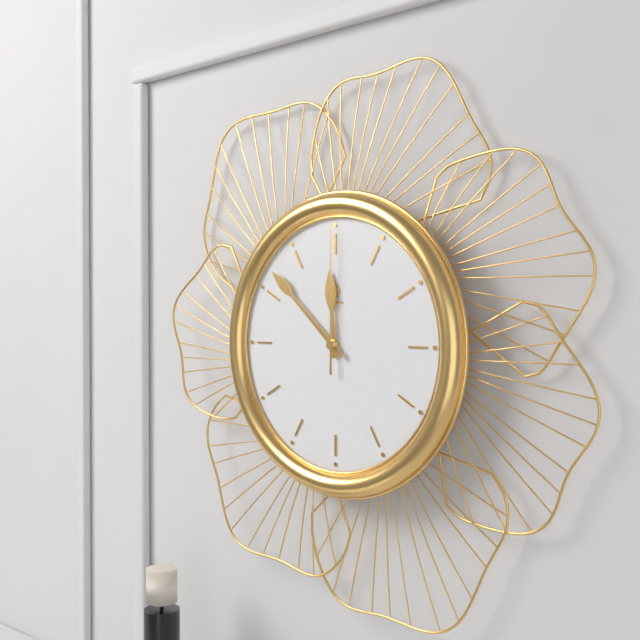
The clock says {"hour": 11, "minute": 52, "second": 0}
